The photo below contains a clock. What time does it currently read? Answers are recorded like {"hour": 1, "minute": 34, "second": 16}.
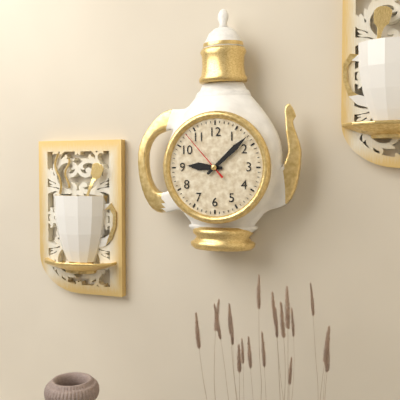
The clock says {"hour": 9, "minute": 8, "second": 53}
